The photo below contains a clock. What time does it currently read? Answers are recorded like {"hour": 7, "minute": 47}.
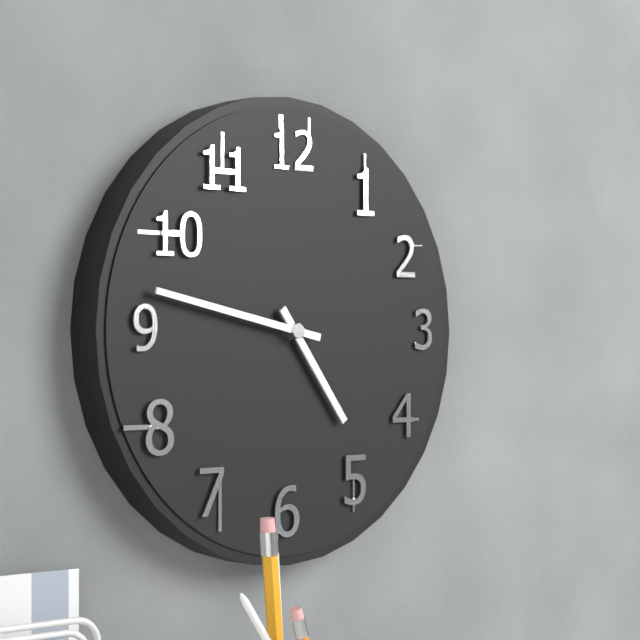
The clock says {"hour": 4, "minute": 47}
